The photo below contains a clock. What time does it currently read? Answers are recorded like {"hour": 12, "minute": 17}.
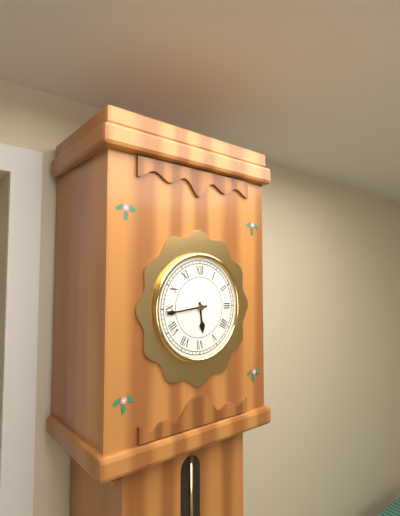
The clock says {"hour": 5, "minute": 44}
